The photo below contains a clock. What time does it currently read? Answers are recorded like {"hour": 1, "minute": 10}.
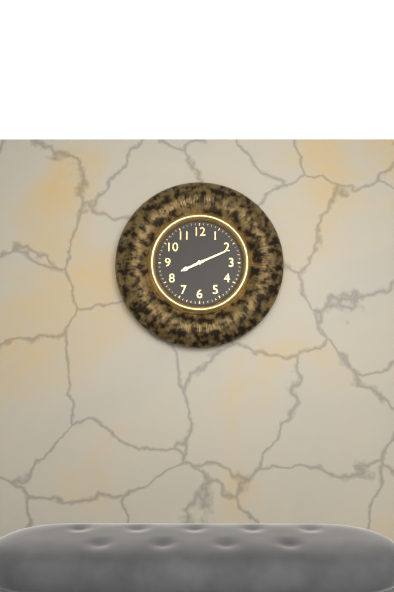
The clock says {"hour": 8, "minute": 11}
